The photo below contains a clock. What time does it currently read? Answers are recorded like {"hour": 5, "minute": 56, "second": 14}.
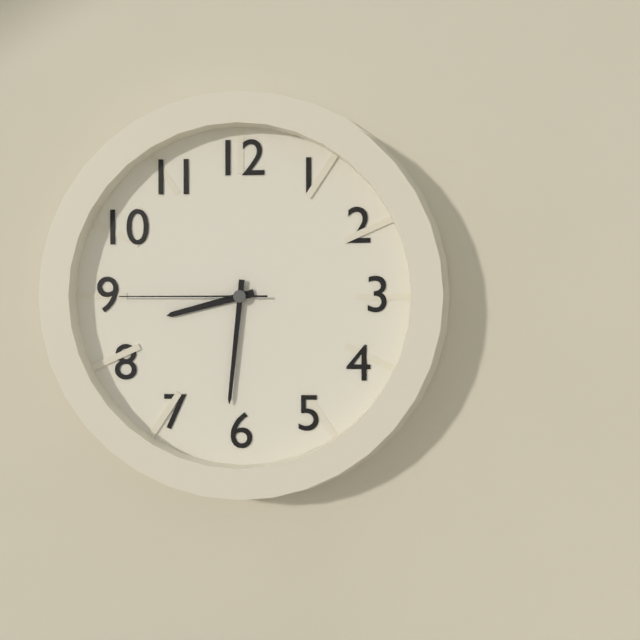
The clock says {"hour": 8, "minute": 31, "second": 45}
